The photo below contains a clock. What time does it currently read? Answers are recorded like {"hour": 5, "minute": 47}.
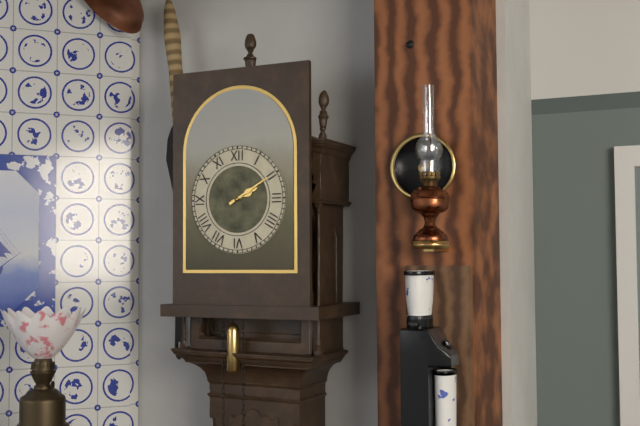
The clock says {"hour": 2, "minute": 10}
